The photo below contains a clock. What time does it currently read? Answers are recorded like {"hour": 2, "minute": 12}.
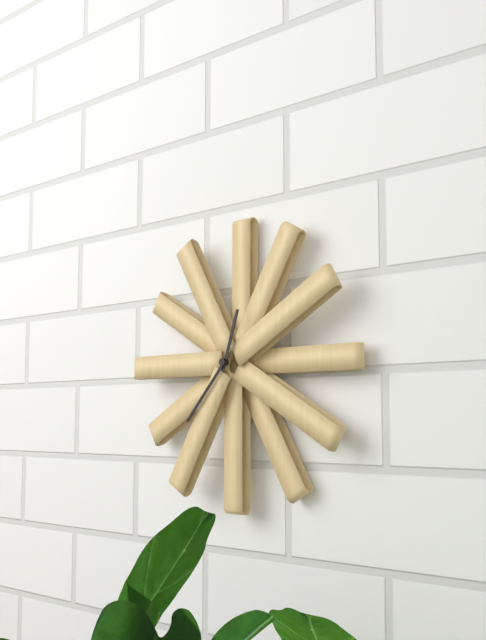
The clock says {"hour": 12, "minute": 37}
